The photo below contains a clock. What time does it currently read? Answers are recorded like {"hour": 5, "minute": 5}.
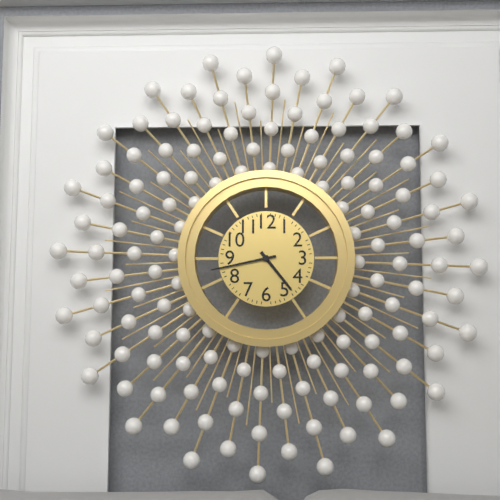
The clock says {"hour": 4, "minute": 43}
